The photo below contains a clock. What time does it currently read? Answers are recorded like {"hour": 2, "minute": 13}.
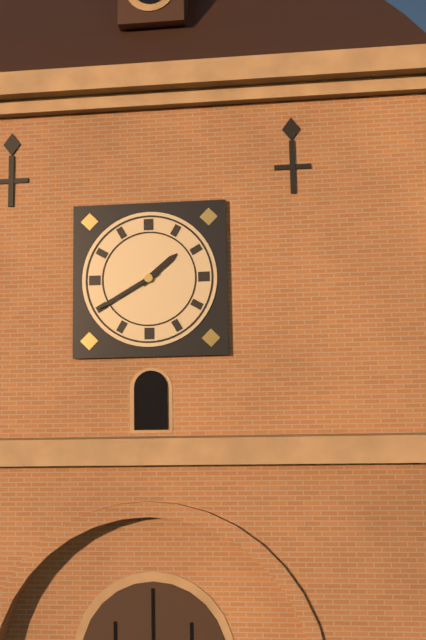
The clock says {"hour": 1, "minute": 40}
